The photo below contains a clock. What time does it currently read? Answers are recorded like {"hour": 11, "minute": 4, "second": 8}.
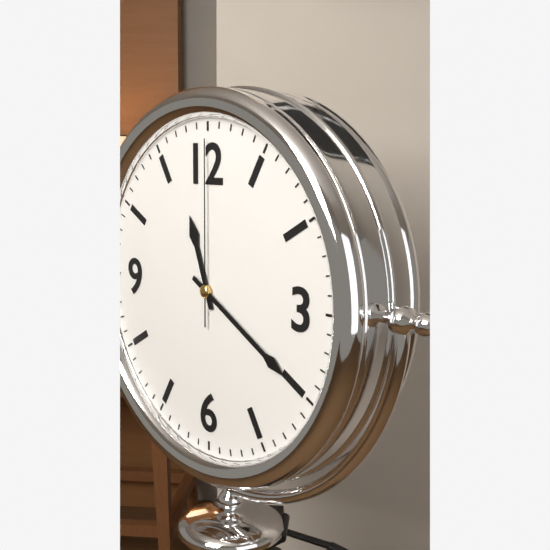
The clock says {"hour": 11, "minute": 20, "second": 0}
